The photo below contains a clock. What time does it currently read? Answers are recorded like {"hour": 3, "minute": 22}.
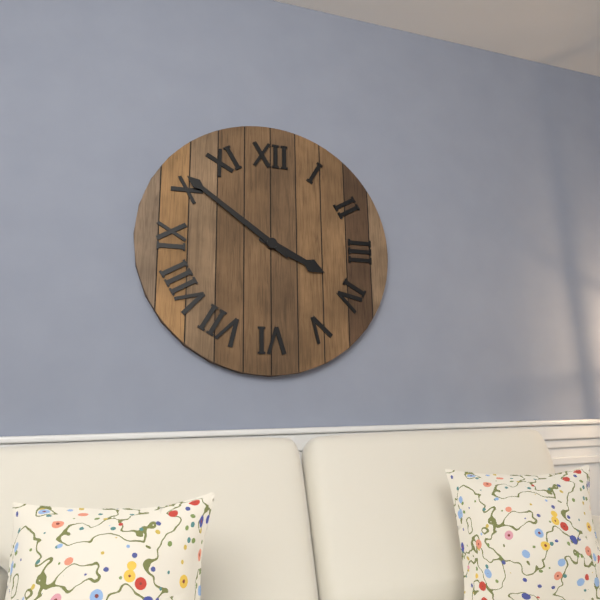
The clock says {"hour": 3, "minute": 51}
